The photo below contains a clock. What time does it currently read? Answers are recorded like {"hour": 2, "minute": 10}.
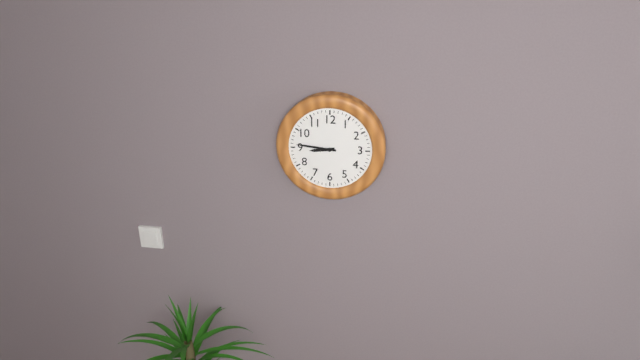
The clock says {"hour": 8, "minute": 46}
